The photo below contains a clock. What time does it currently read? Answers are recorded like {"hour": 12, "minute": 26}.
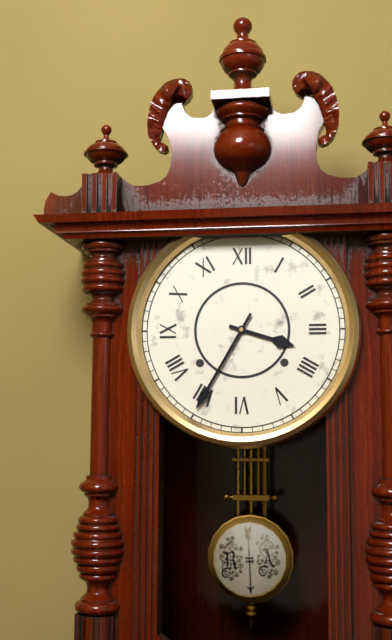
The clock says {"hour": 3, "minute": 35}
